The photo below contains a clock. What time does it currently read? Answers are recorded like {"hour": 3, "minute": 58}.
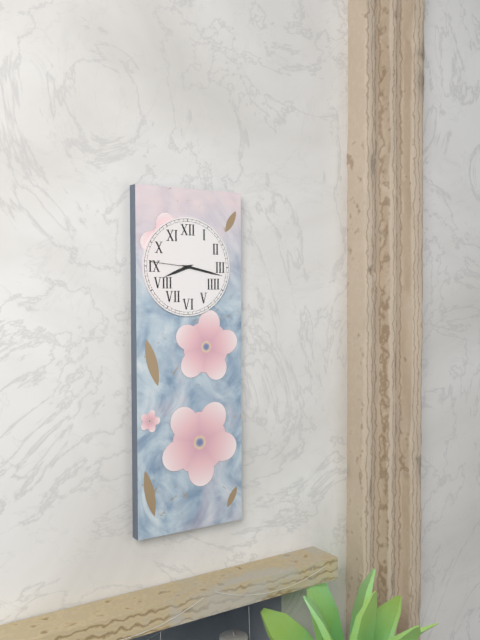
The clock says {"hour": 8, "minute": 17}
